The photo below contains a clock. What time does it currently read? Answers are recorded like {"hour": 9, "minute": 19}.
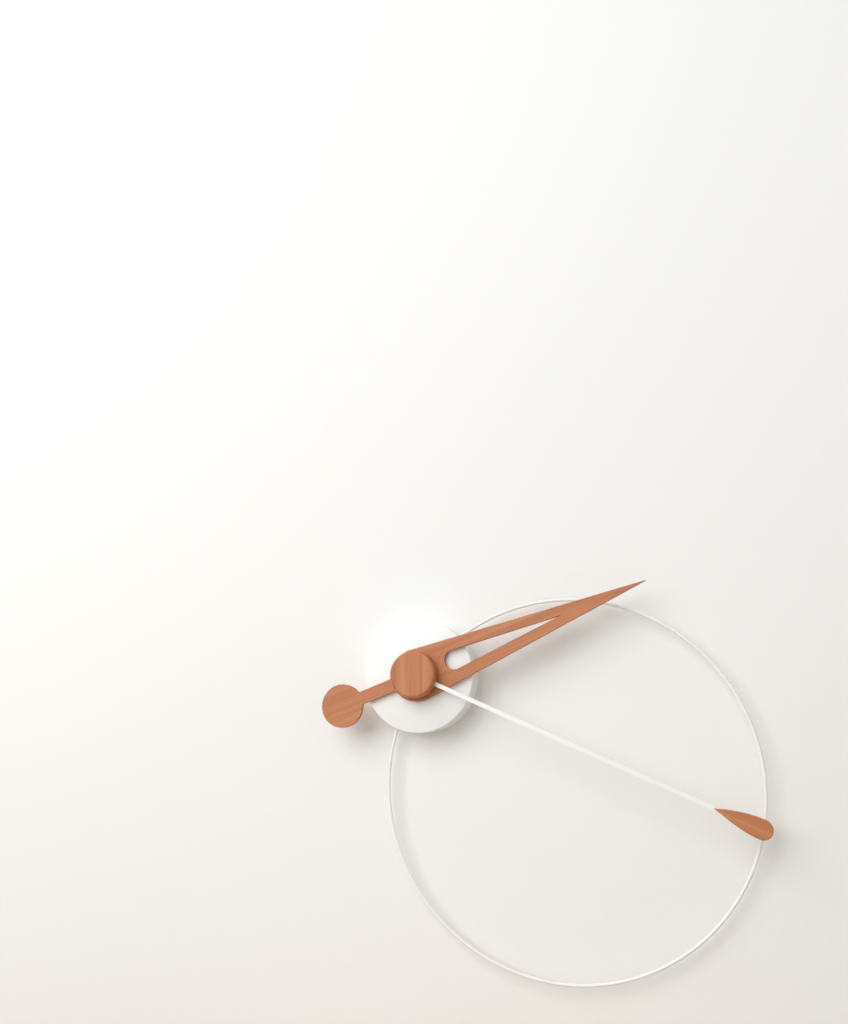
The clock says {"hour": 2, "minute": 19}
